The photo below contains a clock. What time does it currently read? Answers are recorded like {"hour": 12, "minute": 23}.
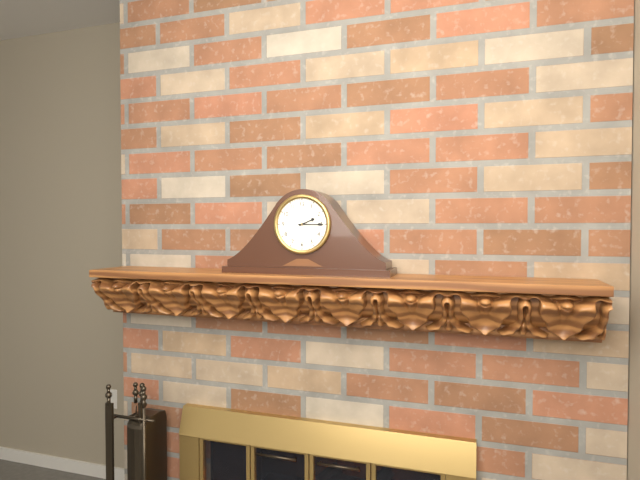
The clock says {"hour": 2, "minute": 15}
